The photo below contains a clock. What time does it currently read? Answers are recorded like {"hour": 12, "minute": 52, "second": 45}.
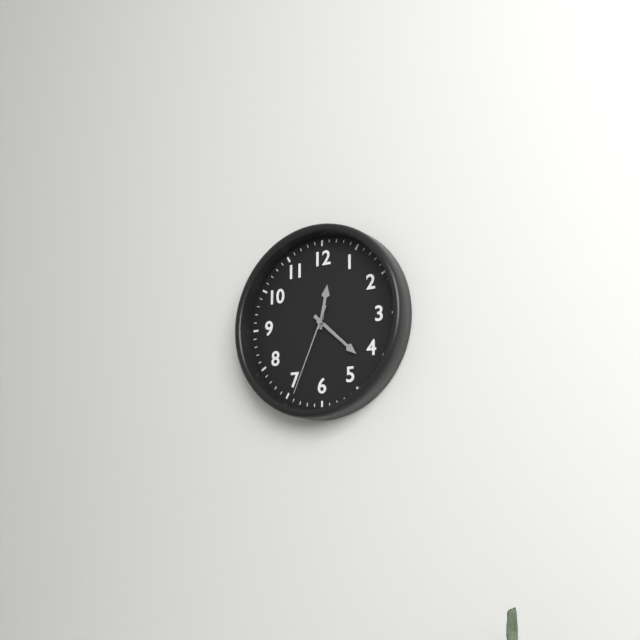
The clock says {"hour": 12, "minute": 22, "second": 34}
